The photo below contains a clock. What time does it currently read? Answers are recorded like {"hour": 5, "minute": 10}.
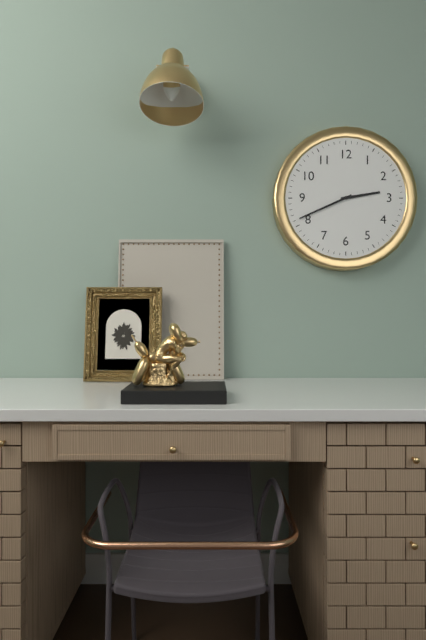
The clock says {"hour": 2, "minute": 41}
